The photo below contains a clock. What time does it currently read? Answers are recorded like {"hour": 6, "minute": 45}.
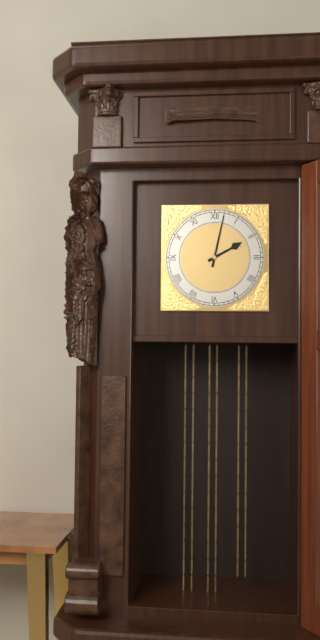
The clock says {"hour": 2, "minute": 2}
